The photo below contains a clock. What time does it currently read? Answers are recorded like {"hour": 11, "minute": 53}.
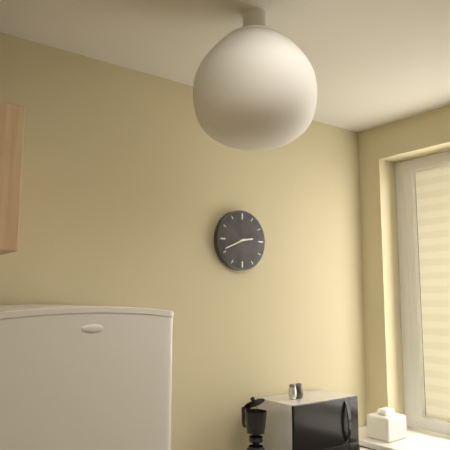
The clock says {"hour": 2, "minute": 41}
